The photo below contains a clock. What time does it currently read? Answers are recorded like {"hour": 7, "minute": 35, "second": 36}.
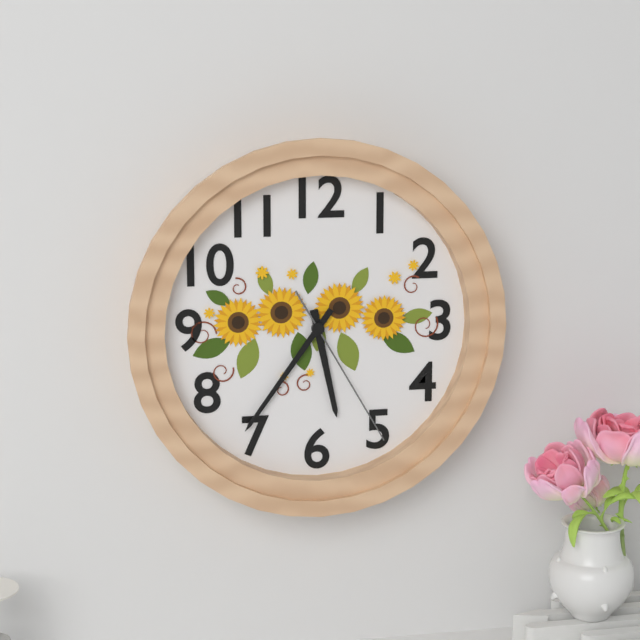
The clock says {"hour": 5, "minute": 36, "second": 25}
